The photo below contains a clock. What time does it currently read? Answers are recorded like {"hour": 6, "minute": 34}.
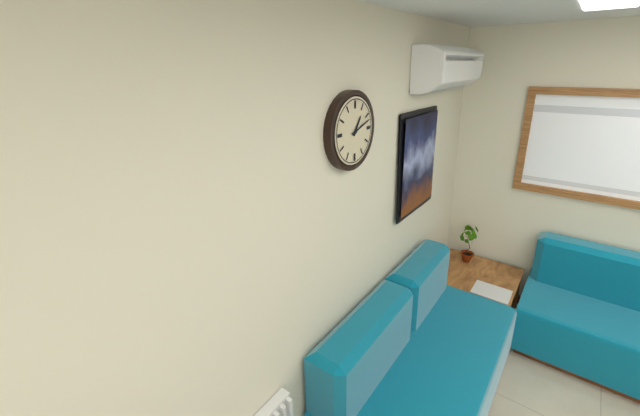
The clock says {"hour": 1, "minute": 12}
